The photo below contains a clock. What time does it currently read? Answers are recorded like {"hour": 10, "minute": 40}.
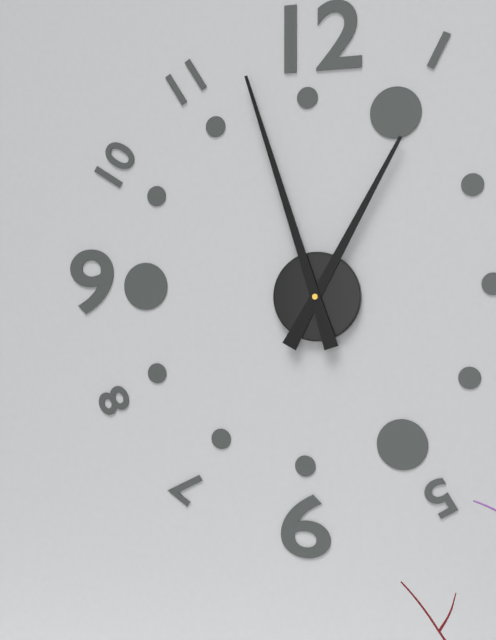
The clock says {"hour": 12, "minute": 57}
